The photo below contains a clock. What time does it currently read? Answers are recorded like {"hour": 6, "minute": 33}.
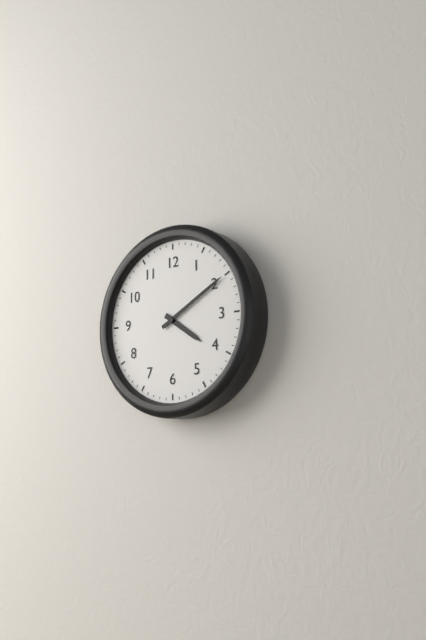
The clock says {"hour": 4, "minute": 10}
